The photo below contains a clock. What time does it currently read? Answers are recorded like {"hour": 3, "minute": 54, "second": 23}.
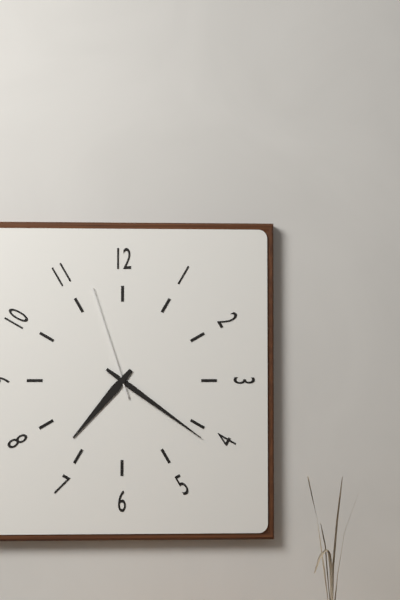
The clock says {"hour": 7, "minute": 21, "second": 57}
